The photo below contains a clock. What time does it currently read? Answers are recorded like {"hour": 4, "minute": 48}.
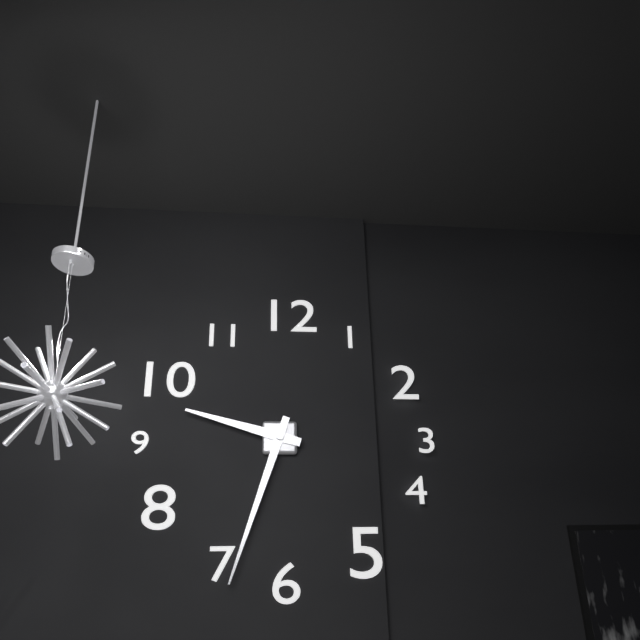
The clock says {"hour": 9, "minute": 33}
